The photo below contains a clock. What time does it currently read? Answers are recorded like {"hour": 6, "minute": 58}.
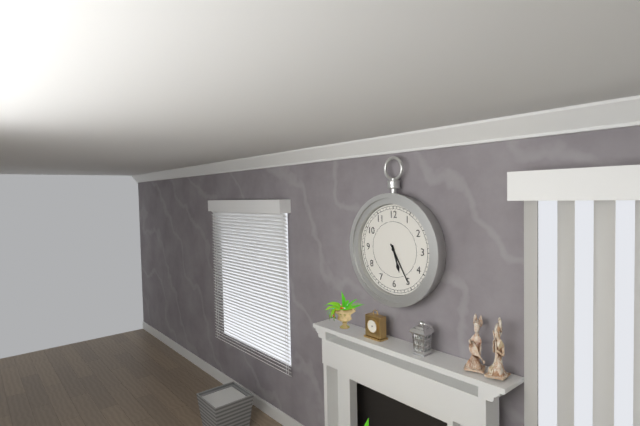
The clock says {"hour": 5, "minute": 25}
